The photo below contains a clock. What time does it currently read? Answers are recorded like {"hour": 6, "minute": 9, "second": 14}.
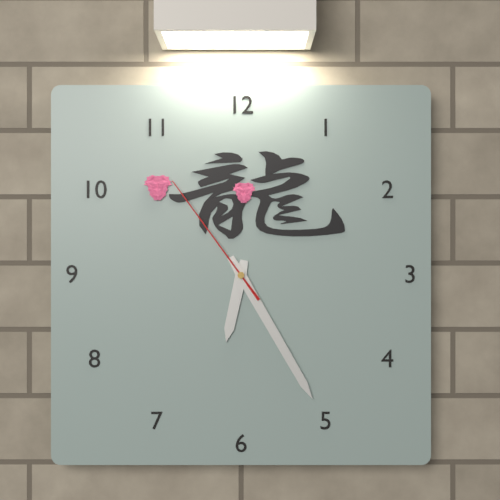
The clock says {"hour": 6, "minute": 25, "second": 54}
